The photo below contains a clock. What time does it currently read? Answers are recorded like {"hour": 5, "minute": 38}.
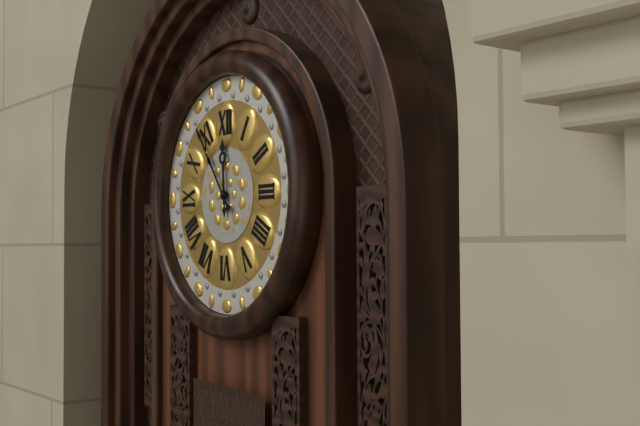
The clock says {"hour": 11, "minute": 54}
